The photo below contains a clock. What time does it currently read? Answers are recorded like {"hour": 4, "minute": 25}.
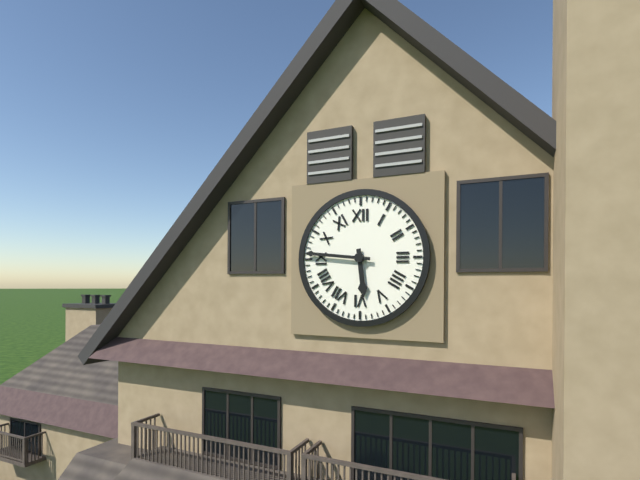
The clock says {"hour": 5, "minute": 46}
